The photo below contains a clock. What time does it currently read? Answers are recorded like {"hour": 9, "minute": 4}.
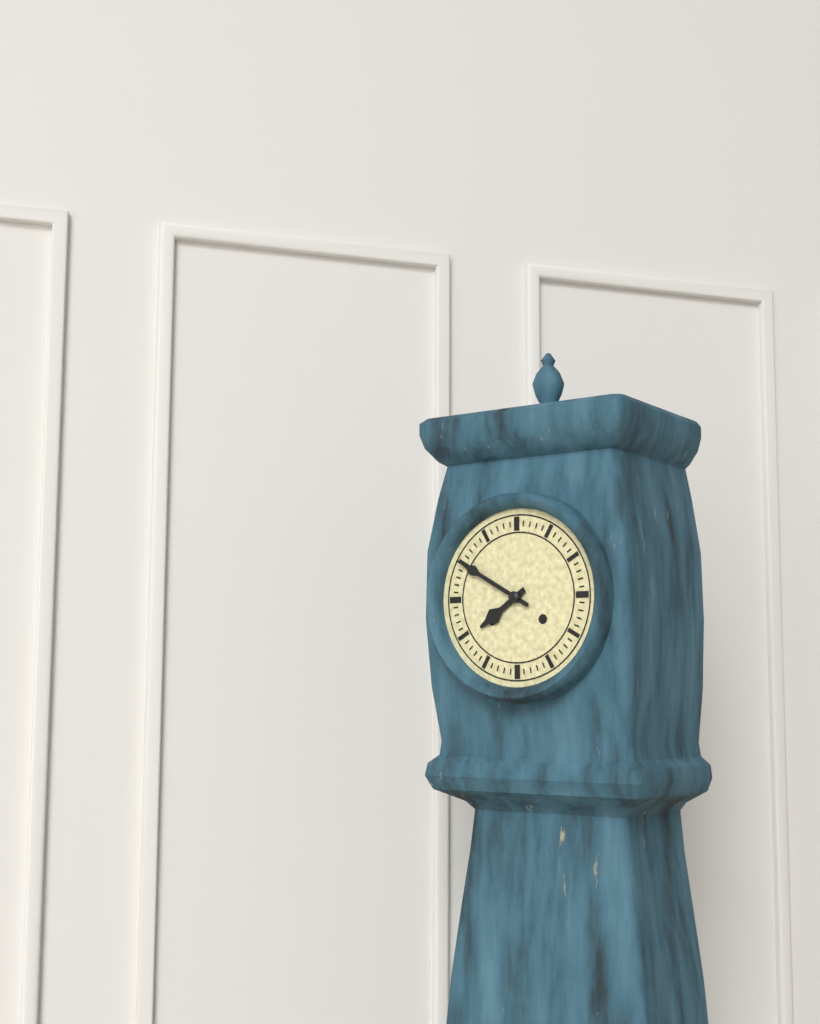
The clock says {"hour": 7, "minute": 50}
